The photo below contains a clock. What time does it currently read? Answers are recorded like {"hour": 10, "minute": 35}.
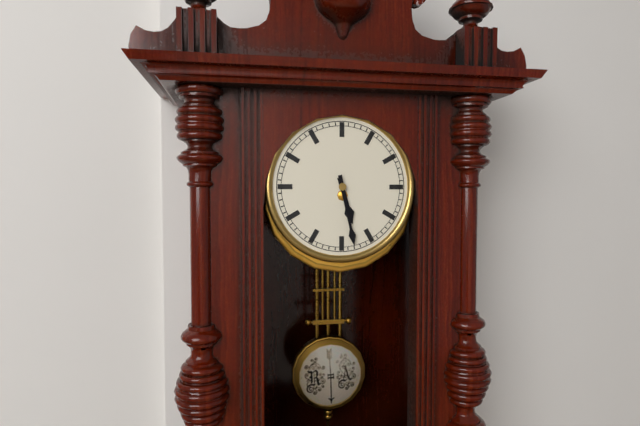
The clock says {"hour": 5, "minute": 28}
